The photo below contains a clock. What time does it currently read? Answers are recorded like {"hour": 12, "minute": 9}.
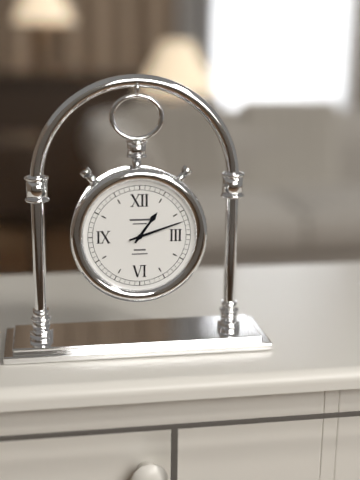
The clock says {"hour": 1, "minute": 12}
